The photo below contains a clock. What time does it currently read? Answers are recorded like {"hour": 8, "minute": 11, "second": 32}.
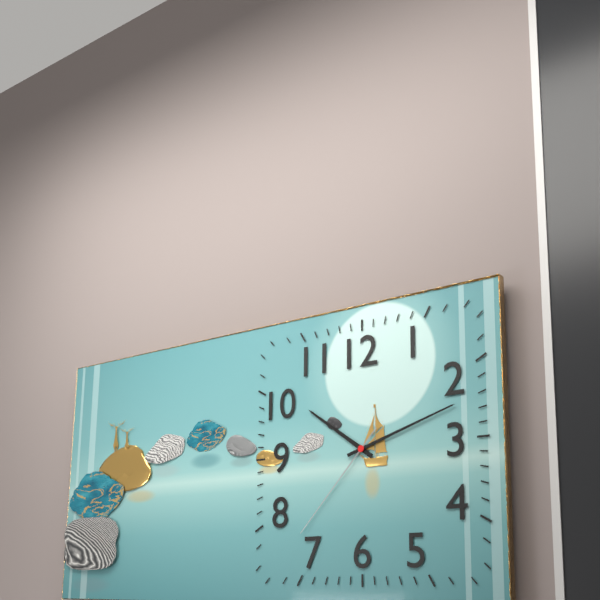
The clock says {"hour": 10, "minute": 12, "second": 37}
